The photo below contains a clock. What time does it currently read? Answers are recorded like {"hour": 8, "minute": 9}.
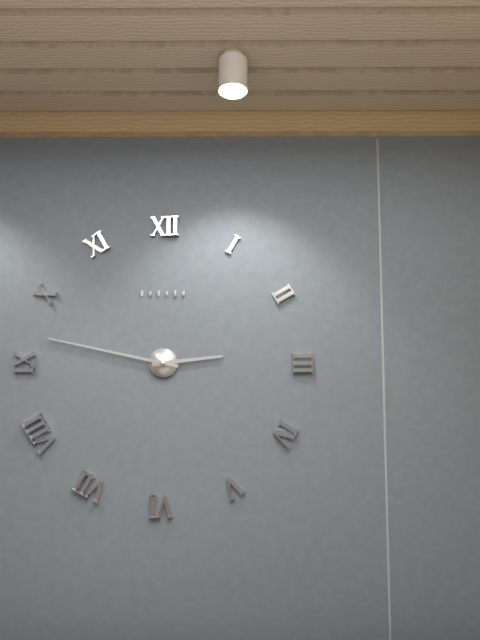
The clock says {"hour": 2, "minute": 47}
